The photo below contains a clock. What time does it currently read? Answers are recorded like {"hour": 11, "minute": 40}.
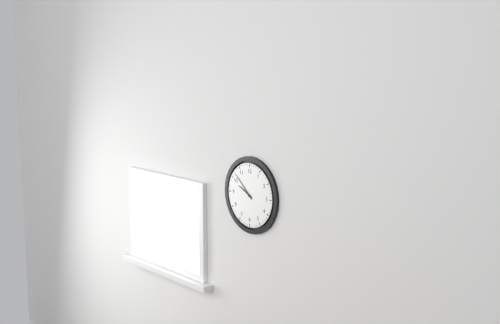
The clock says {"hour": 9, "minute": 52}
